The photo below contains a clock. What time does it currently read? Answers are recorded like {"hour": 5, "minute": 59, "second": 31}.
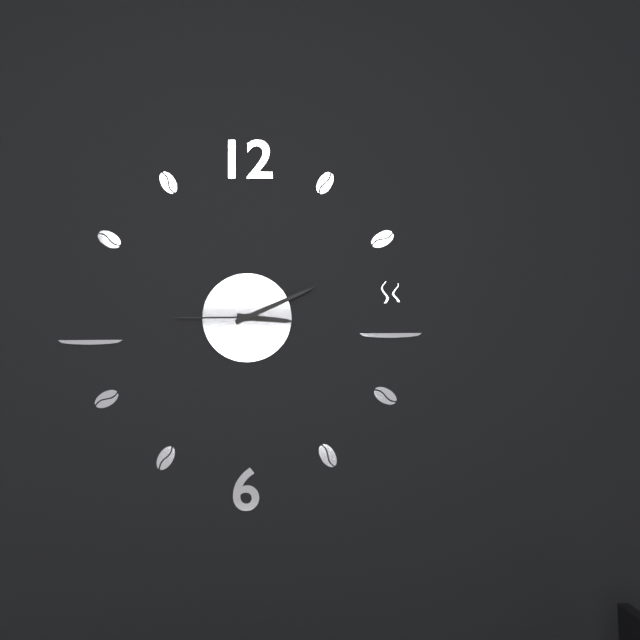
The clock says {"hour": 3, "minute": 11, "second": 45}
